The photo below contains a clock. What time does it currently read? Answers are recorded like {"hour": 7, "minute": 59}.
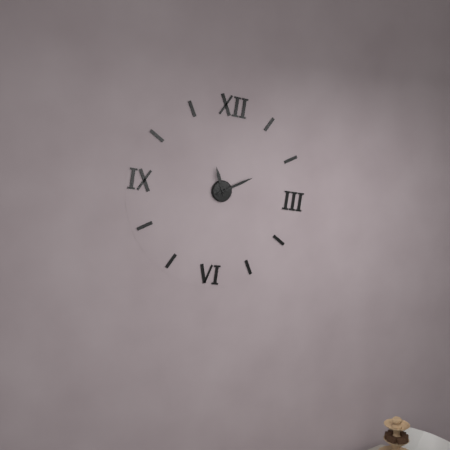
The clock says {"hour": 11, "minute": 10}
